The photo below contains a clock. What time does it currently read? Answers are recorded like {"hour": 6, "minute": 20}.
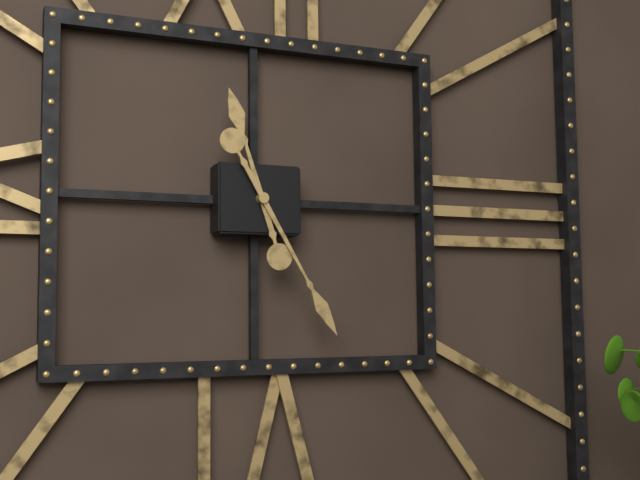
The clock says {"hour": 11, "minute": 25}
